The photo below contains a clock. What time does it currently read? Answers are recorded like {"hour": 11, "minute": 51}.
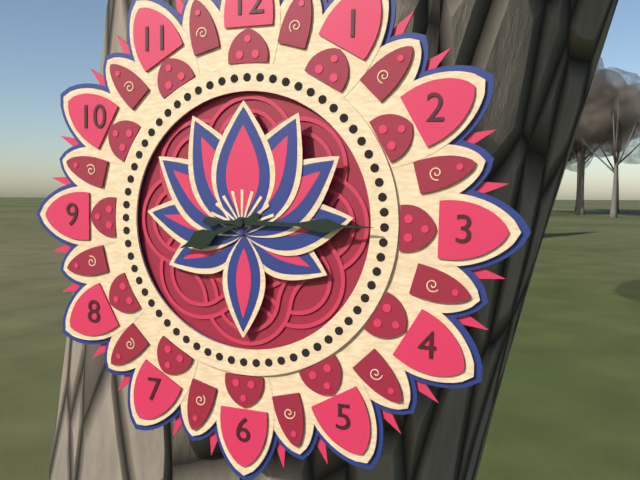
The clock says {"hour": 8, "minute": 15}
